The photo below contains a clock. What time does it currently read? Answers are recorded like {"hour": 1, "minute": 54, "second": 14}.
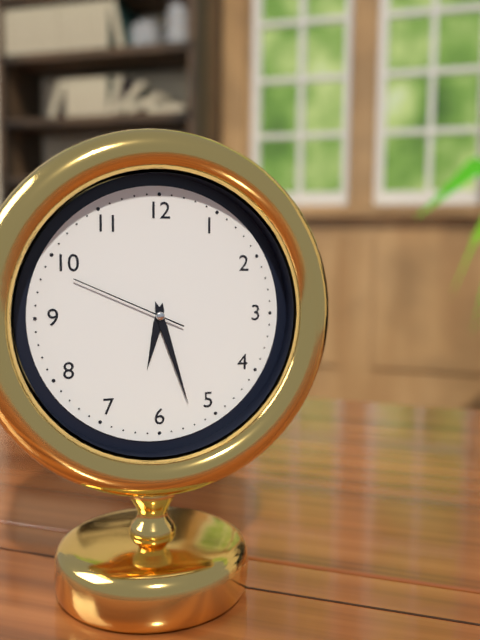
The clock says {"hour": 6, "minute": 27, "second": 49}
